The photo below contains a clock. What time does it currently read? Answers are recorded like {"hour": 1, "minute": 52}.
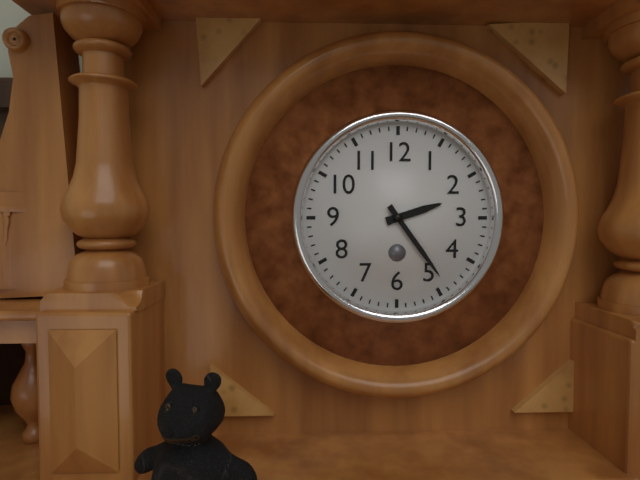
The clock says {"hour": 2, "minute": 24}
